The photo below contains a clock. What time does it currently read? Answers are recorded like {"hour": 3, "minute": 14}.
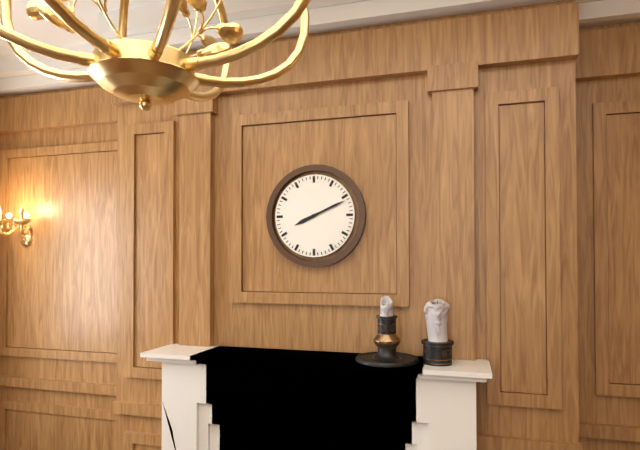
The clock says {"hour": 8, "minute": 11}
